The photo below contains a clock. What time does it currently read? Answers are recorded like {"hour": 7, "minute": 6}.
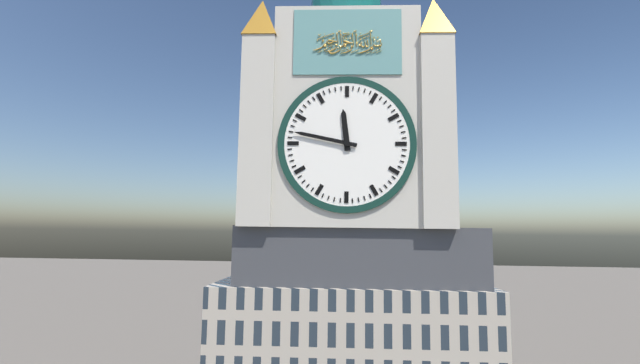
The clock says {"hour": 11, "minute": 47}
